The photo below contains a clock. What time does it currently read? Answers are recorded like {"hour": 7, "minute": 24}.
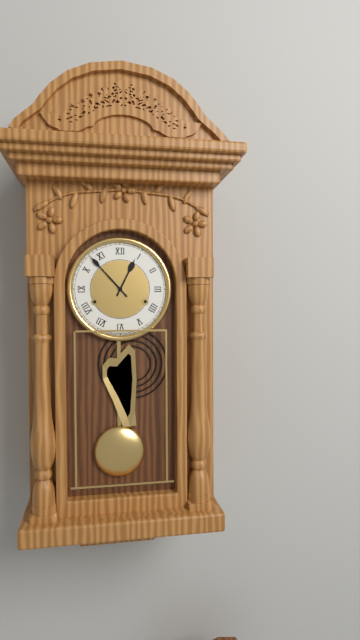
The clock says {"hour": 12, "minute": 53}
